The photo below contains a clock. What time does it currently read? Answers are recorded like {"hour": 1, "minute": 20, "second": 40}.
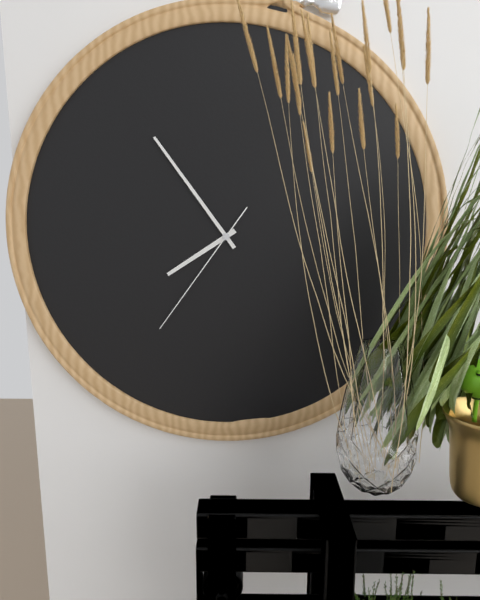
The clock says {"hour": 7, "minute": 54, "second": 36}
